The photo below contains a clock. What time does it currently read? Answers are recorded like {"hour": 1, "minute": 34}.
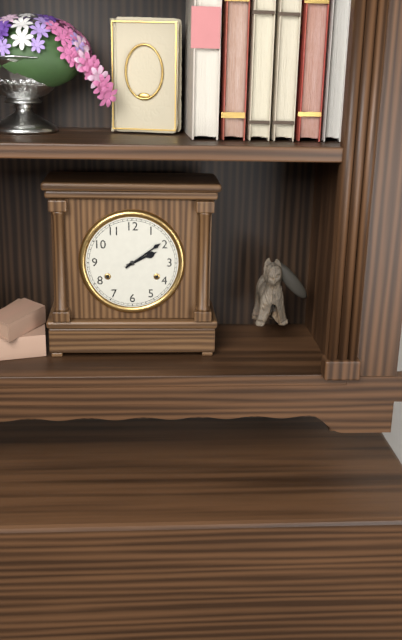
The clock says {"hour": 2, "minute": 9}
